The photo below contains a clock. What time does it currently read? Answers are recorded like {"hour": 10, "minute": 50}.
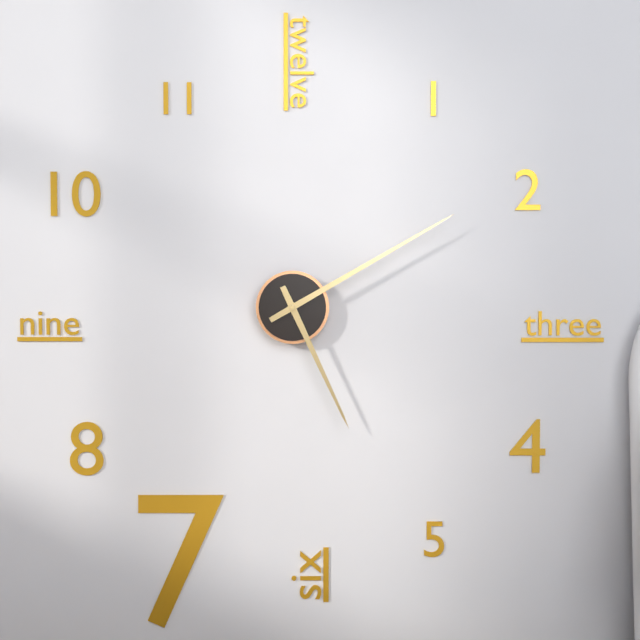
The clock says {"hour": 5, "minute": 10}
